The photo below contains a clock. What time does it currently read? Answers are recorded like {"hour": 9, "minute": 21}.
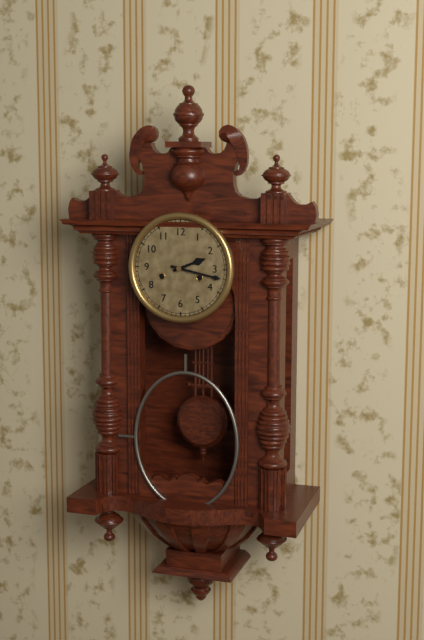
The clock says {"hour": 2, "minute": 17}
